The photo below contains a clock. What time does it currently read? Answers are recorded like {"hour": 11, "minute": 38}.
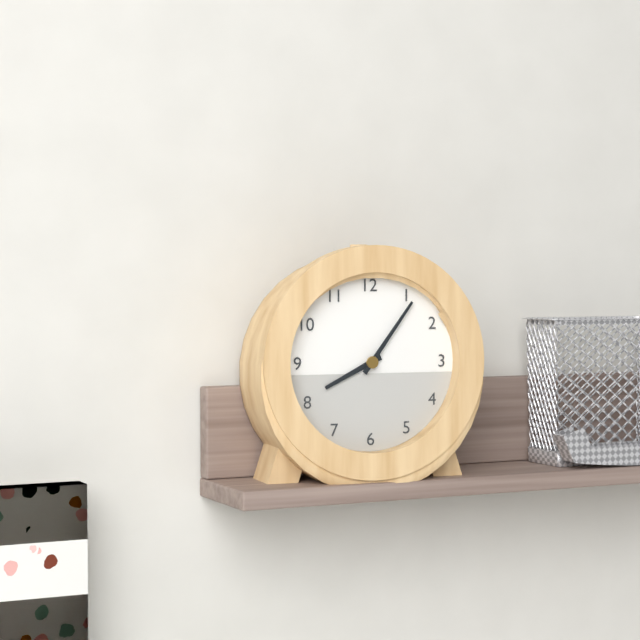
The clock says {"hour": 8, "minute": 6}
